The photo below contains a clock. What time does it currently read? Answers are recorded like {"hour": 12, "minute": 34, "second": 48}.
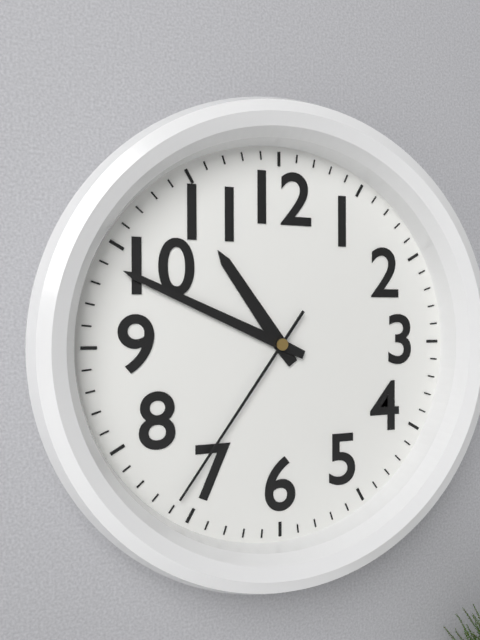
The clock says {"hour": 10, "minute": 49, "second": 36}
